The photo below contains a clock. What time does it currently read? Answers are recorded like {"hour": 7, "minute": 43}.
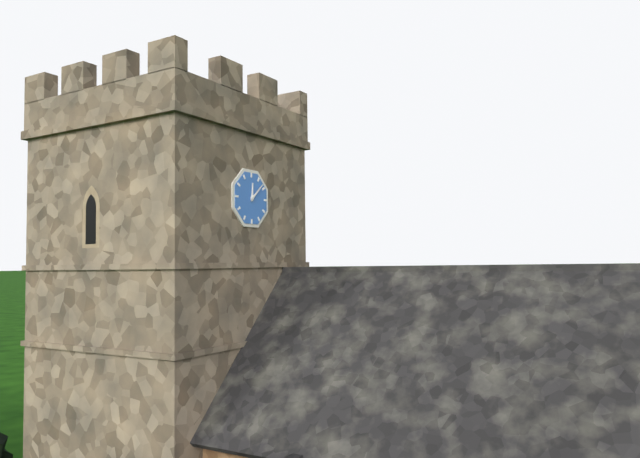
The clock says {"hour": 12, "minute": 8}
